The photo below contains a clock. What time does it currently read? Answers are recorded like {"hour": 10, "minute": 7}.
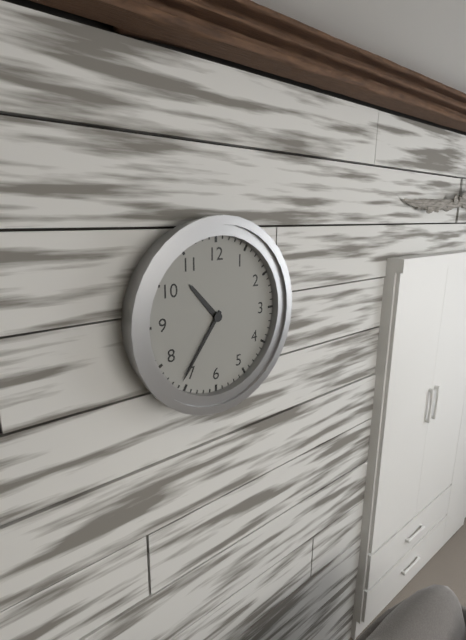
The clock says {"hour": 10, "minute": 36}
